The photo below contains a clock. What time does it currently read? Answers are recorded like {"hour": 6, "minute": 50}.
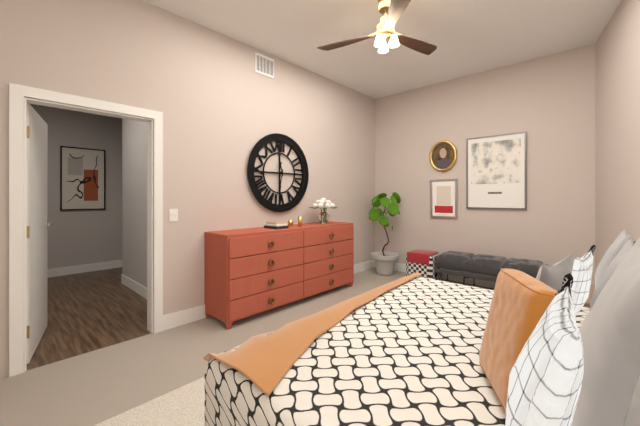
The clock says {"hour": 11, "minute": 32}
